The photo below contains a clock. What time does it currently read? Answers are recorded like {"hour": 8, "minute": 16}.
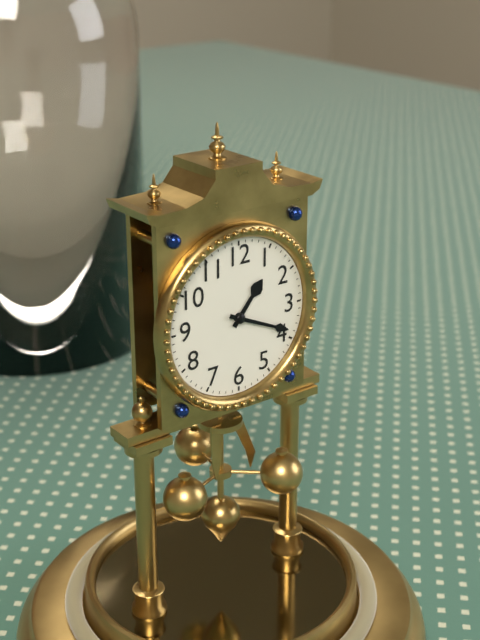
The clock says {"hour": 1, "minute": 19}
